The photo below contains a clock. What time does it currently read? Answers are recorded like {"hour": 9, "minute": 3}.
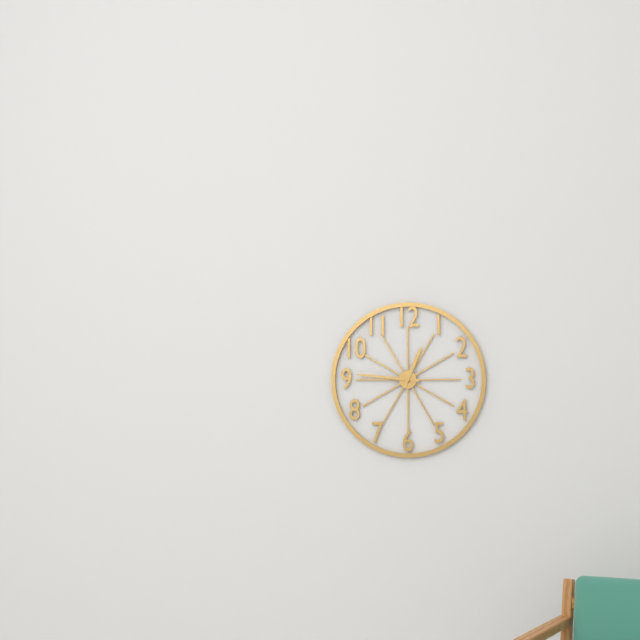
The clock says {"hour": 12, "minute": 46}
